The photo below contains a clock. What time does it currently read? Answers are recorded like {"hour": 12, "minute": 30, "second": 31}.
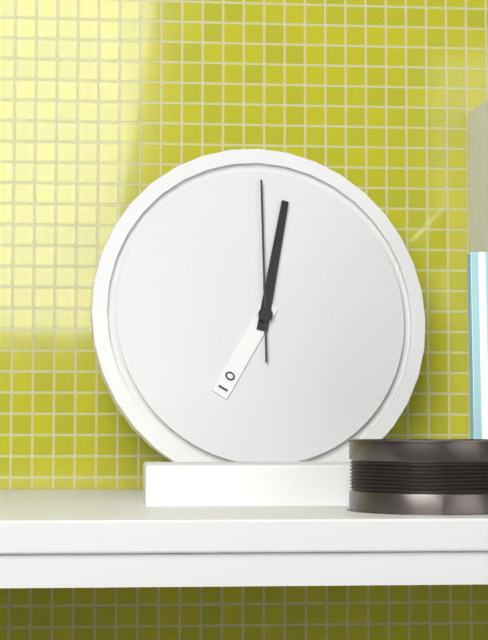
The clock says {"hour": 7, "minute": 2, "second": 0}
